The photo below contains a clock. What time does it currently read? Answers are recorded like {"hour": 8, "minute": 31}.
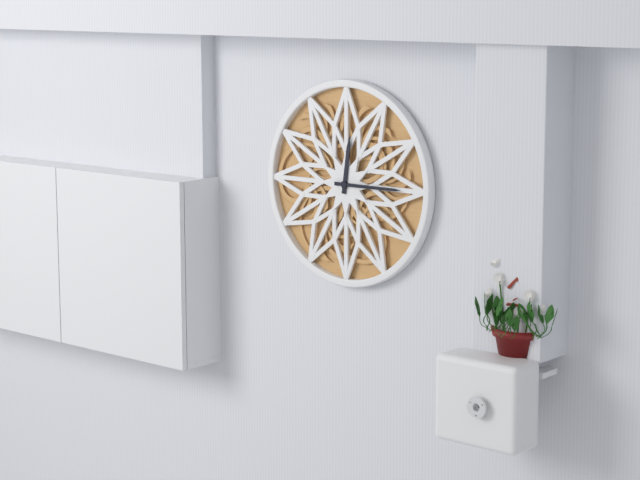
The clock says {"hour": 12, "minute": 15}
